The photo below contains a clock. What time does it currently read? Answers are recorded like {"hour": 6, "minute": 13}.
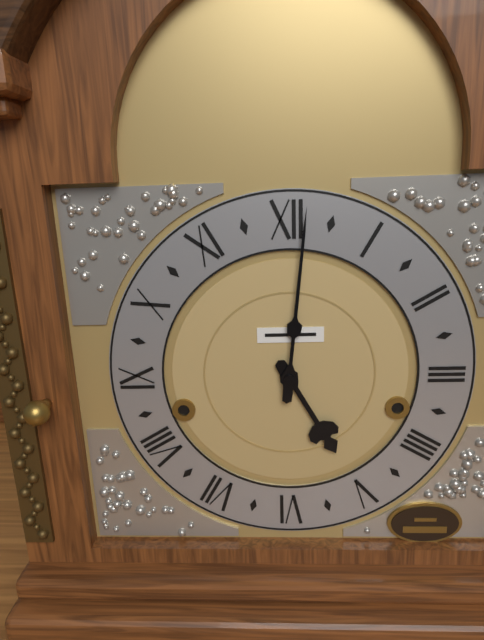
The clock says {"hour": 5, "minute": 1}
